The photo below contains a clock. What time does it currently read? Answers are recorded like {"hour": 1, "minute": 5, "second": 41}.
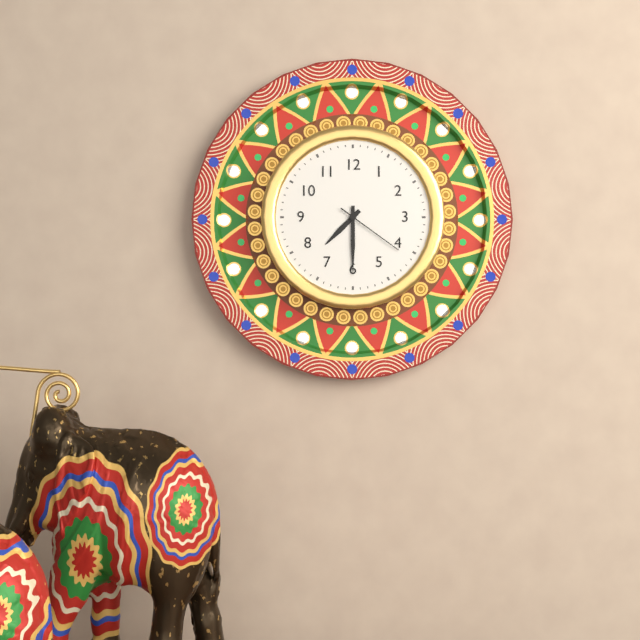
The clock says {"hour": 7, "minute": 30, "second": 21}
